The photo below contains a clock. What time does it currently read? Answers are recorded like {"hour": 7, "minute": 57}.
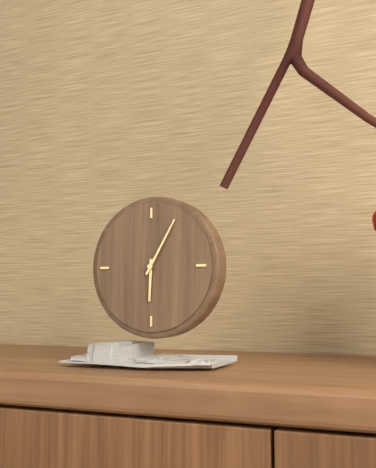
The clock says {"hour": 6, "minute": 5}
